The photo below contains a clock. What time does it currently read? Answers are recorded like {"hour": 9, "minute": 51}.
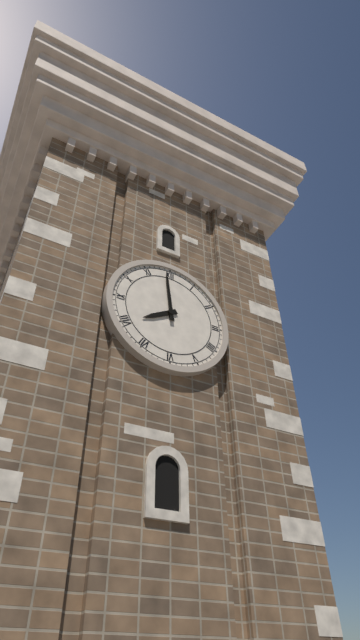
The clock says {"hour": 7, "minute": 59}
